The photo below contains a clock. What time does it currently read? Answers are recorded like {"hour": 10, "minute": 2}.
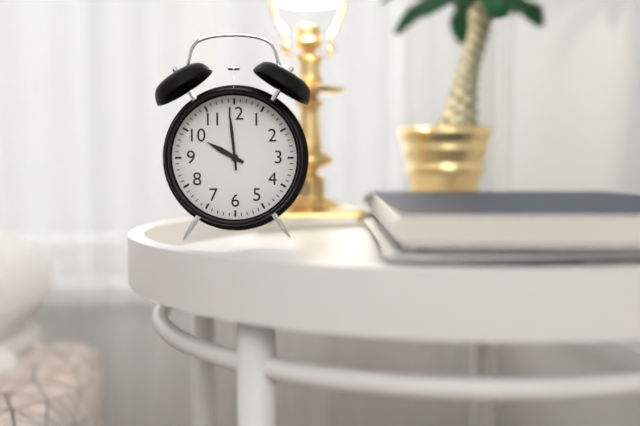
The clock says {"hour": 9, "minute": 59}
